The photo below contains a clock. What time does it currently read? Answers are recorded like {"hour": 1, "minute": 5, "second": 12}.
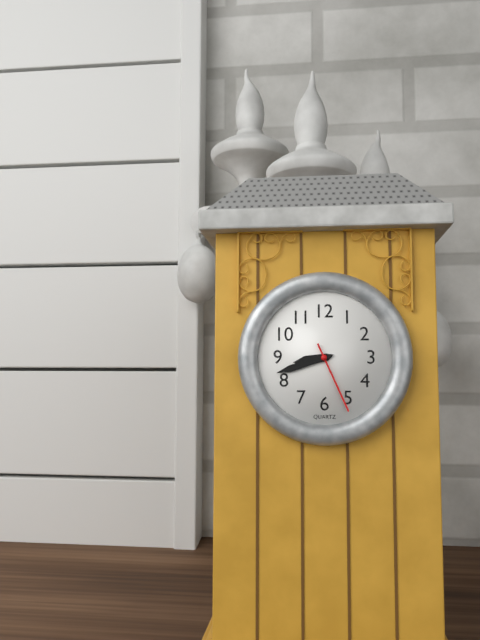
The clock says {"hour": 8, "minute": 42, "second": 26}
